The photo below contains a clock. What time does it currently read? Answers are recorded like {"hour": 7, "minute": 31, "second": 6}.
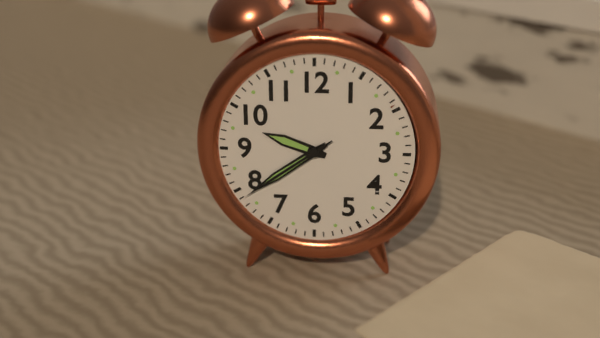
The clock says {"hour": 9, "minute": 39, "second": 39}
